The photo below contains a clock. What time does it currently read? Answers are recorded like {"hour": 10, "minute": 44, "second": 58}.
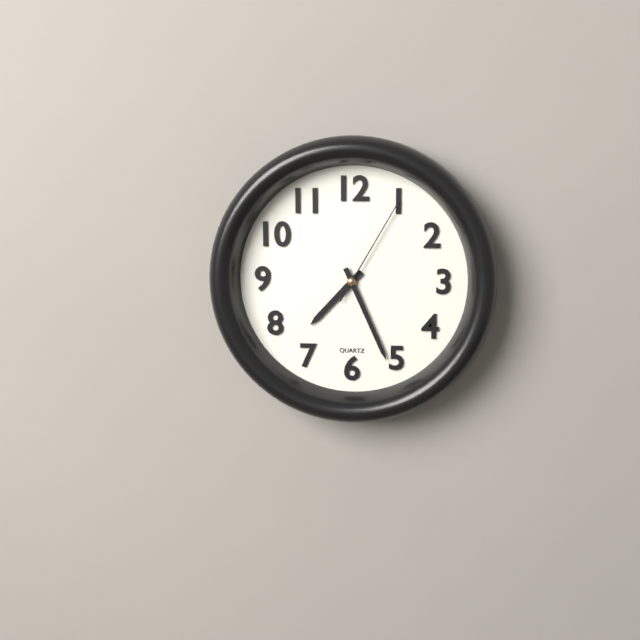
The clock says {"hour": 7, "minute": 26, "second": 5}
